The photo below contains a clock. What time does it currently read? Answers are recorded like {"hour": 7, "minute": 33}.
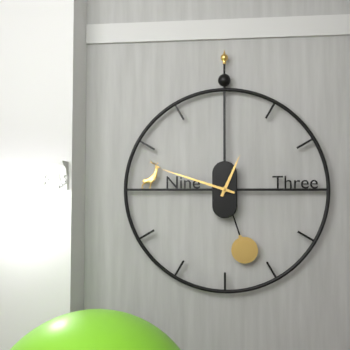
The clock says {"hour": 12, "minute": 48}
